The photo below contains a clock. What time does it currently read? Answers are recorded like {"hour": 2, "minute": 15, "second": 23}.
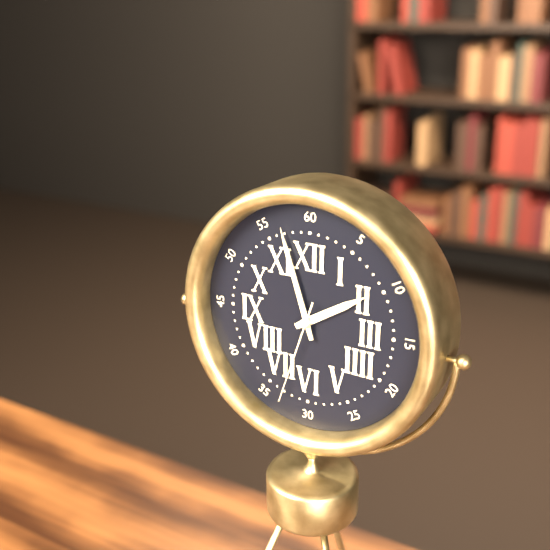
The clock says {"hour": 1, "minute": 57, "second": 33}
